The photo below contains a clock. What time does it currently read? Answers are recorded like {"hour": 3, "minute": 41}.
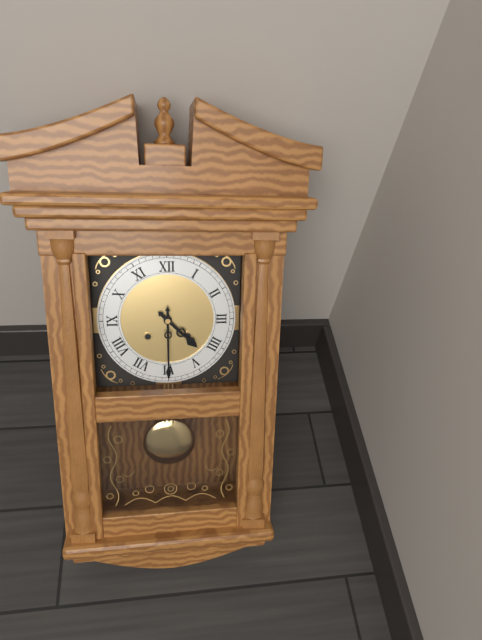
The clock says {"hour": 4, "minute": 30}
